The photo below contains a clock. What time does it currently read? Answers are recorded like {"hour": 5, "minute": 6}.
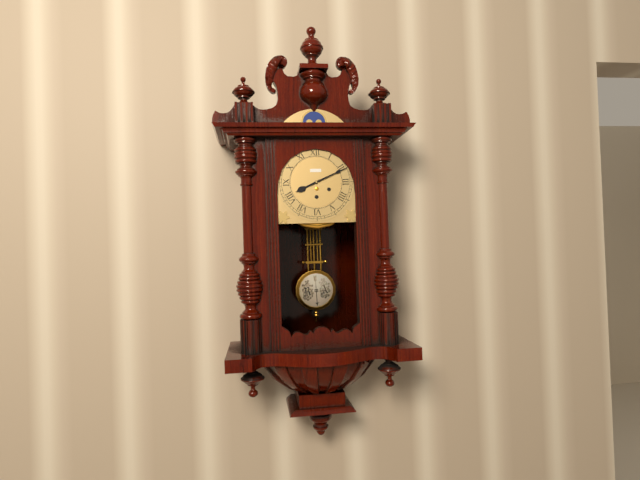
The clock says {"hour": 8, "minute": 11}
